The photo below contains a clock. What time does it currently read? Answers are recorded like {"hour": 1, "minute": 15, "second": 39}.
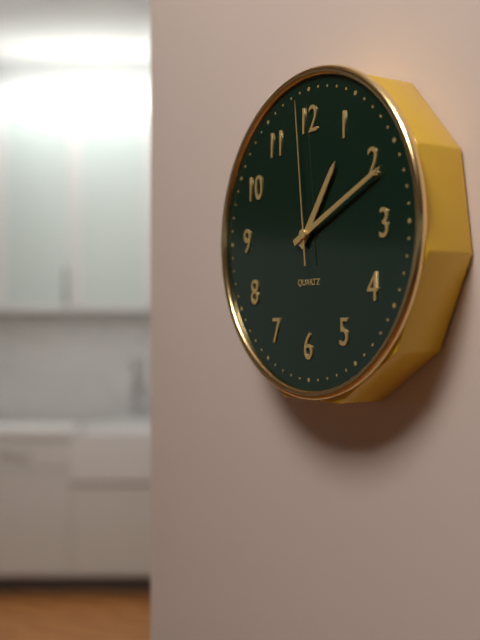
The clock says {"hour": 1, "minute": 11, "second": 59}
